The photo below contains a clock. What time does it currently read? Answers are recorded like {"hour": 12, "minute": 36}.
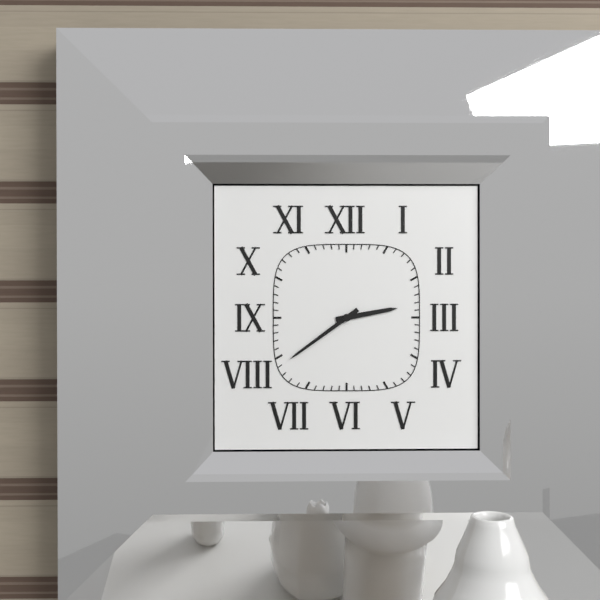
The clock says {"hour": 2, "minute": 39}
